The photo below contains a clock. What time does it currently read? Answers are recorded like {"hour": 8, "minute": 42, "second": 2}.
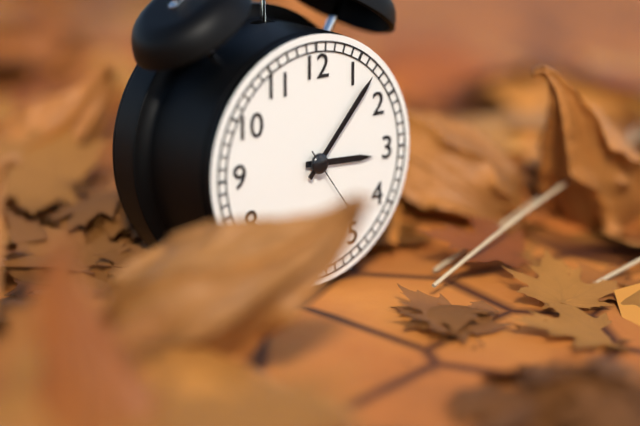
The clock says {"hour": 3, "minute": 7, "second": 24}
